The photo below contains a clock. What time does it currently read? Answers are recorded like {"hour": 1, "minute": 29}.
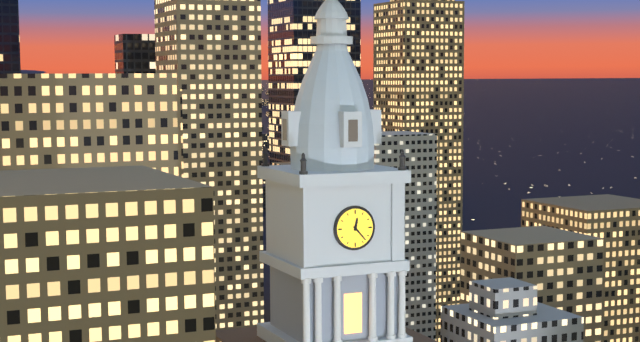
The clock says {"hour": 12, "minute": 23}
